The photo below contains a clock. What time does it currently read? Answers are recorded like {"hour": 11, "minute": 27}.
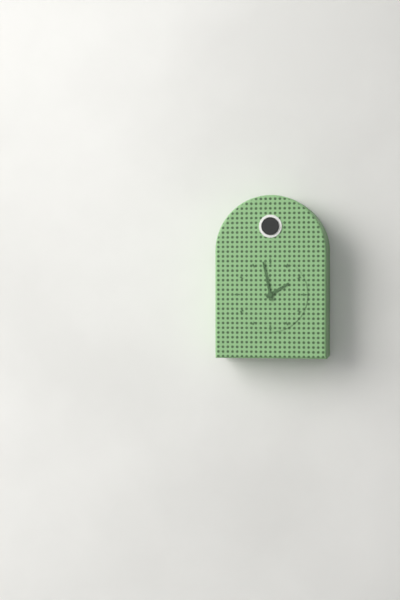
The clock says {"hour": 1, "minute": 58}
